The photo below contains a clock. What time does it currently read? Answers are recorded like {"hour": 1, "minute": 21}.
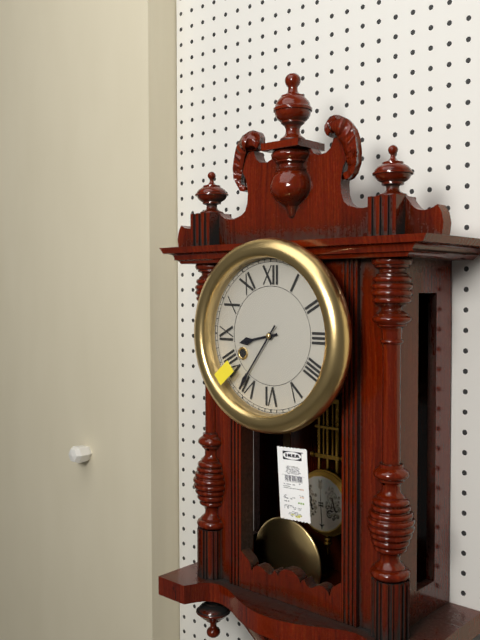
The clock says {"hour": 8, "minute": 36}
